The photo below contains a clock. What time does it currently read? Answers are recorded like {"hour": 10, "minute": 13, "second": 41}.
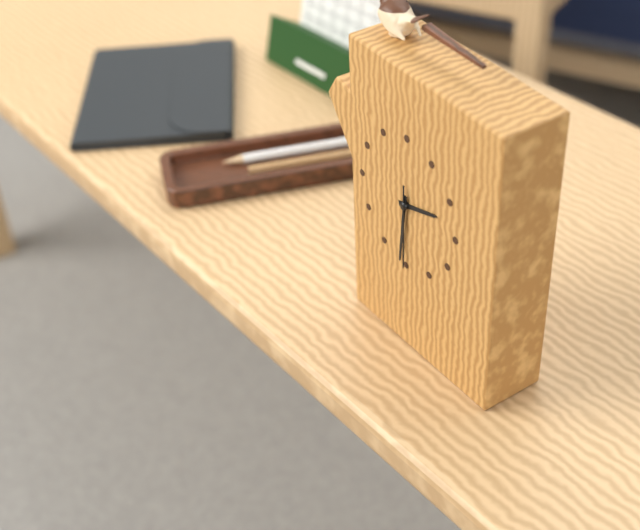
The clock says {"hour": 2, "minute": 31, "second": 30}
